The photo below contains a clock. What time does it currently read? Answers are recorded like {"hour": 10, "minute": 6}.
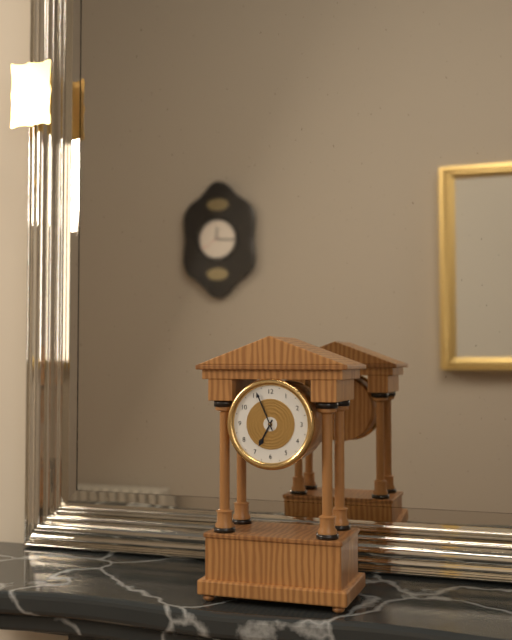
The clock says {"hour": 6, "minute": 56}
